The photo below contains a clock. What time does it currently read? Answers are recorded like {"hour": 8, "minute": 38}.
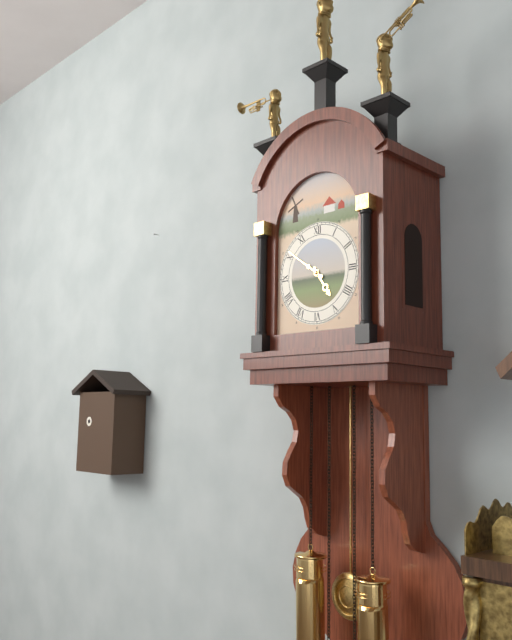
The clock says {"hour": 4, "minute": 51}
